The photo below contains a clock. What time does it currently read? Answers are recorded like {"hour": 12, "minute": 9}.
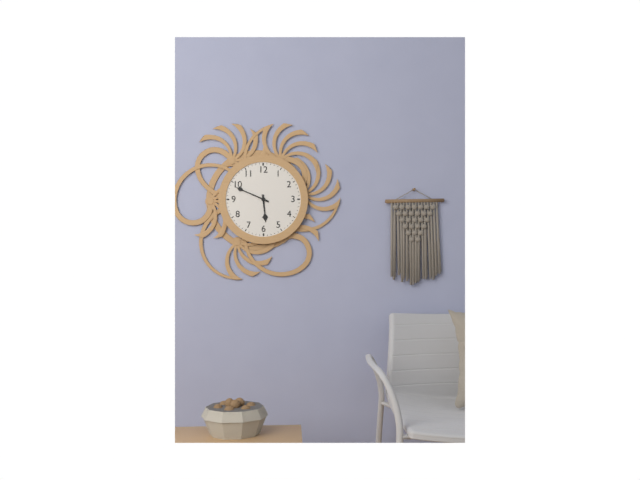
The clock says {"hour": 5, "minute": 49}
